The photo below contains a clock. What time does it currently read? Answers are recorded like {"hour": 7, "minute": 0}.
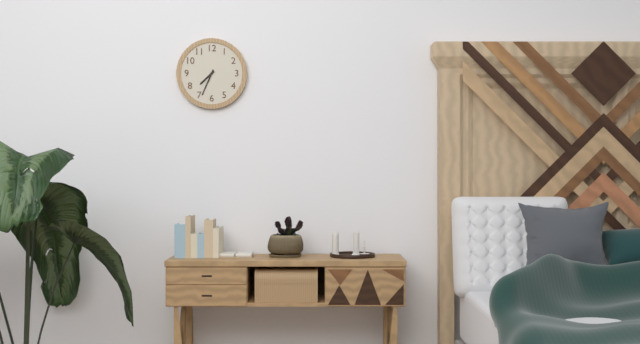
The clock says {"hour": 7, "minute": 34}
